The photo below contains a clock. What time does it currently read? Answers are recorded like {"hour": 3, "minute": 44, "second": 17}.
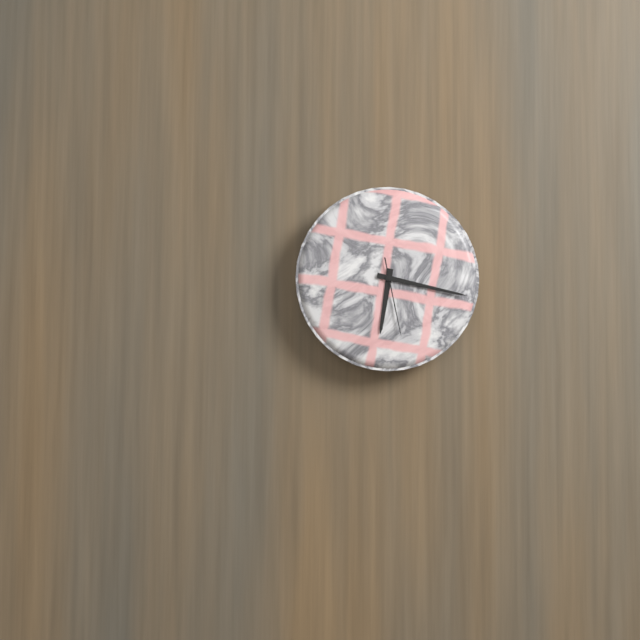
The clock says {"hour": 6, "minute": 17, "second": 28}
